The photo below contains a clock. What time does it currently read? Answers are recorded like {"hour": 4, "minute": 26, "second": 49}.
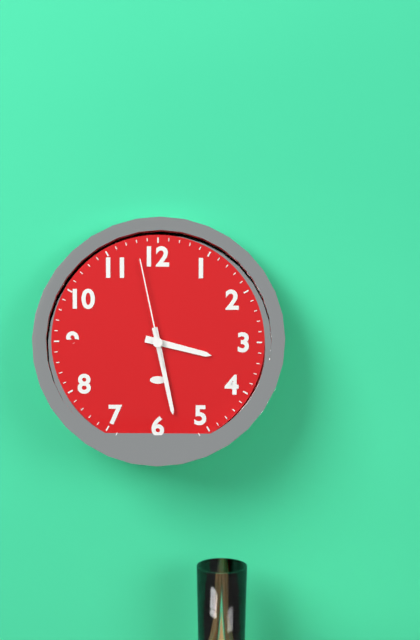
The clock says {"hour": 3, "minute": 28, "second": 58}
